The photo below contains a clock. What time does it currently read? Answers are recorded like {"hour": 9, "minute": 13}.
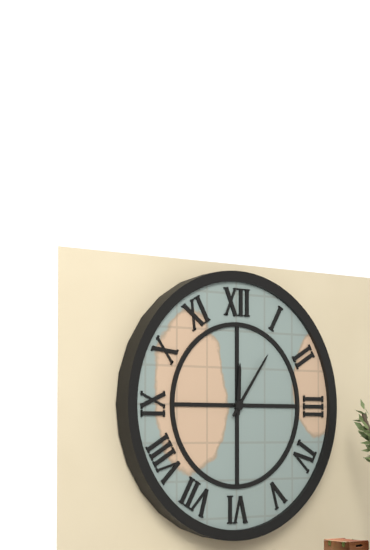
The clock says {"hour": 12, "minute": 6}
